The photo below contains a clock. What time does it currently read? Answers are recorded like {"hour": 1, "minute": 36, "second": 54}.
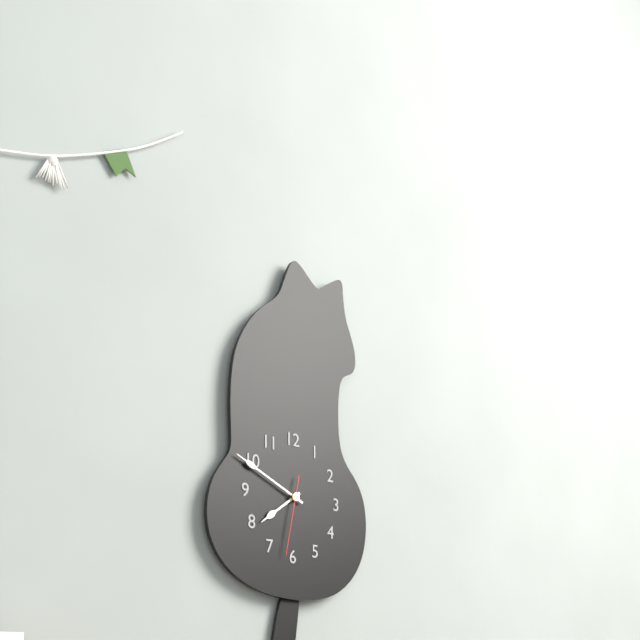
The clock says {"hour": 7, "minute": 49, "second": 32}
